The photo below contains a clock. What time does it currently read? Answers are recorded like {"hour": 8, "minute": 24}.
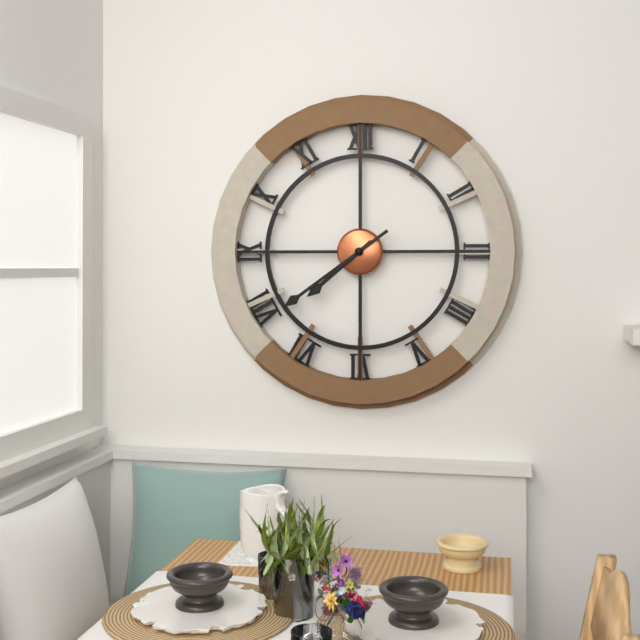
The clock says {"hour": 7, "minute": 39}
